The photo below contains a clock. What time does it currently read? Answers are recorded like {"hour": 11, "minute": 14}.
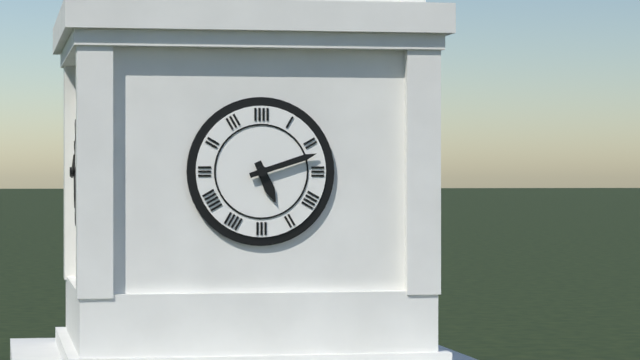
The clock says {"hour": 5, "minute": 12}
